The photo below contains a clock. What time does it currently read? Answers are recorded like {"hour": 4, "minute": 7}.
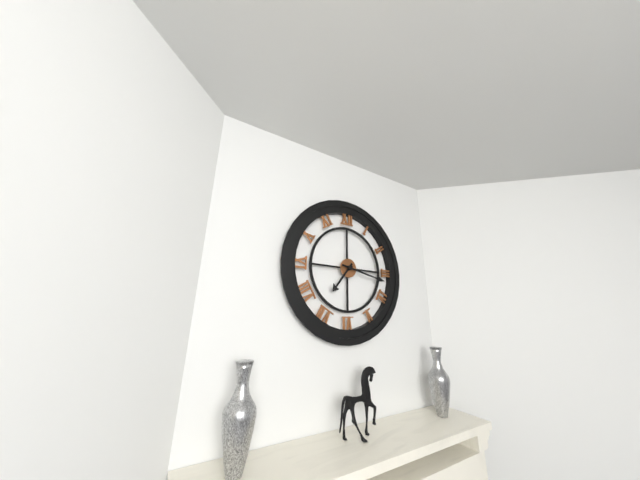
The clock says {"hour": 7, "minute": 17}
